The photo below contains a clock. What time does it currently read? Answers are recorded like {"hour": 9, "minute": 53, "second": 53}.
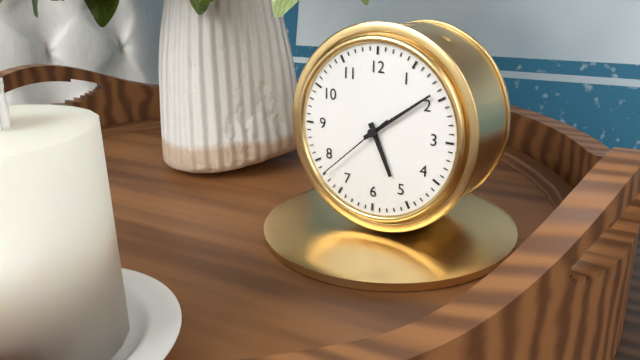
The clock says {"hour": 5, "minute": 9, "second": 38}
